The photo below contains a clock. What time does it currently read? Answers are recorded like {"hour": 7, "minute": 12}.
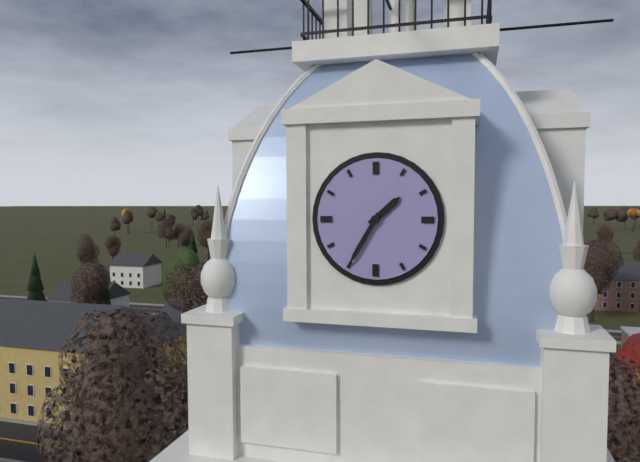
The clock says {"hour": 1, "minute": 35}
